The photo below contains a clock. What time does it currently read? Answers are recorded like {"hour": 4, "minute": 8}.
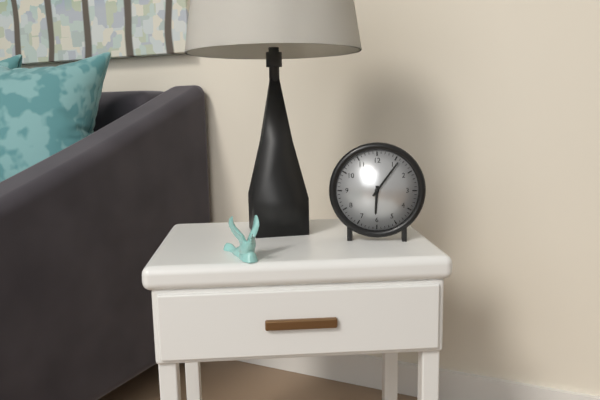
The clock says {"hour": 6, "minute": 6}
